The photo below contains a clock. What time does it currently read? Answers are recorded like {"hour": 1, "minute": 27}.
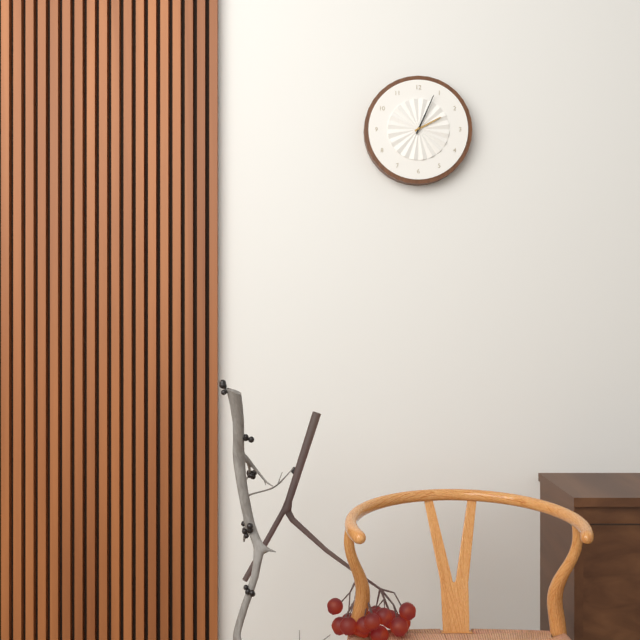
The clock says {"hour": 2, "minute": 4}
